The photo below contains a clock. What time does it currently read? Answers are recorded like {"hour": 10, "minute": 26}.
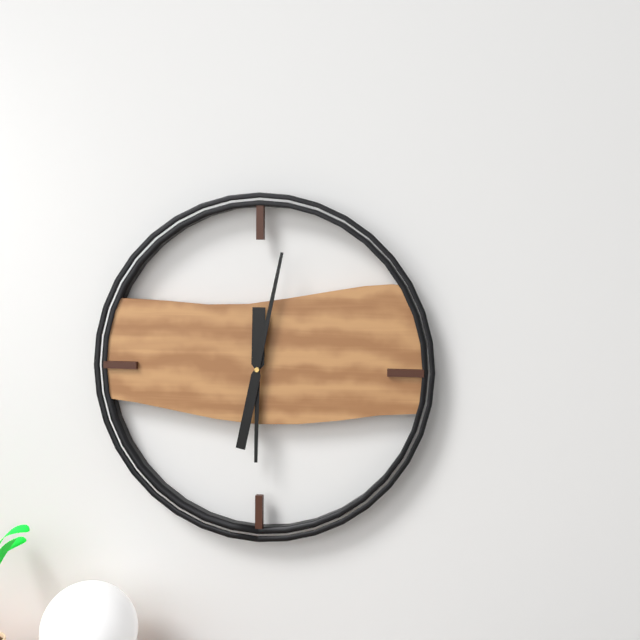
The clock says {"hour": 6, "minute": 2}
